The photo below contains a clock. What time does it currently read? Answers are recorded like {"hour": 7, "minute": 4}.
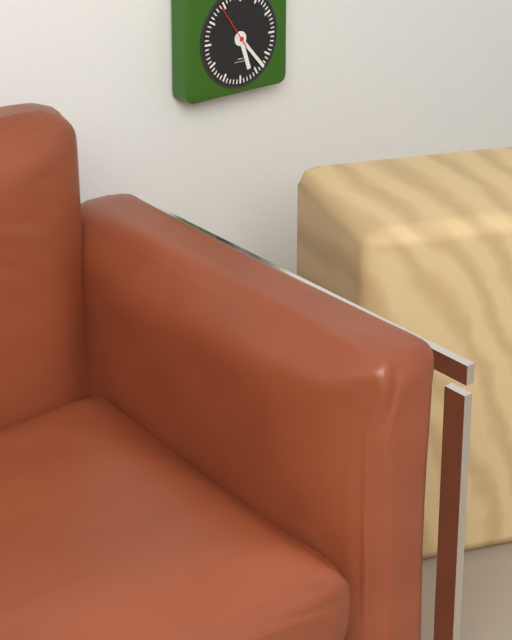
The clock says {"hour": 5, "minute": 23}
